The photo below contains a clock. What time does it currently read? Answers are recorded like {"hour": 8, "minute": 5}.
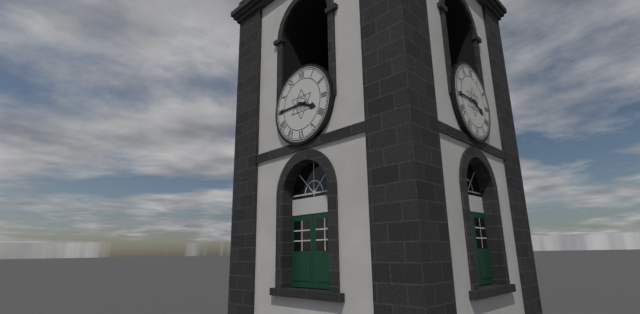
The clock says {"hour": 3, "minute": 45}
